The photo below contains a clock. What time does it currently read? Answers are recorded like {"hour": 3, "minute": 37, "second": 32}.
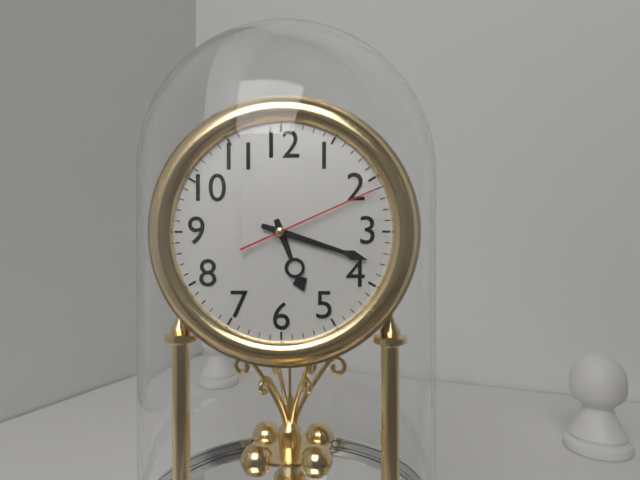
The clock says {"hour": 5, "minute": 18, "second": 11}
